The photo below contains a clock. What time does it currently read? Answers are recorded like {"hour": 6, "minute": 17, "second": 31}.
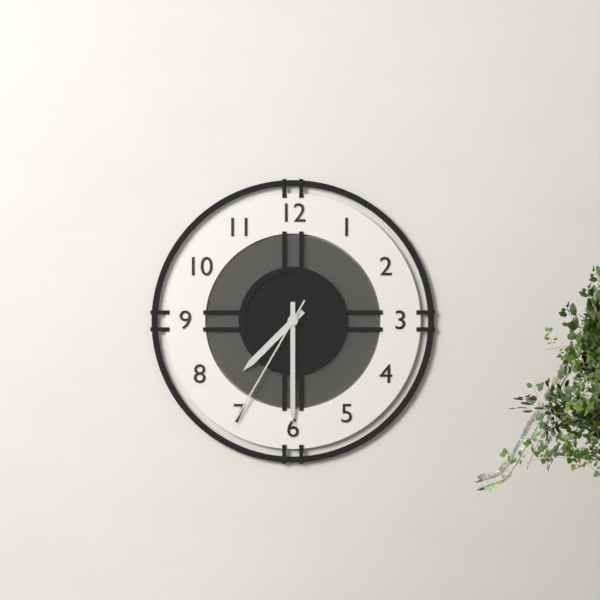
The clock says {"hour": 7, "minute": 30, "second": 35}
